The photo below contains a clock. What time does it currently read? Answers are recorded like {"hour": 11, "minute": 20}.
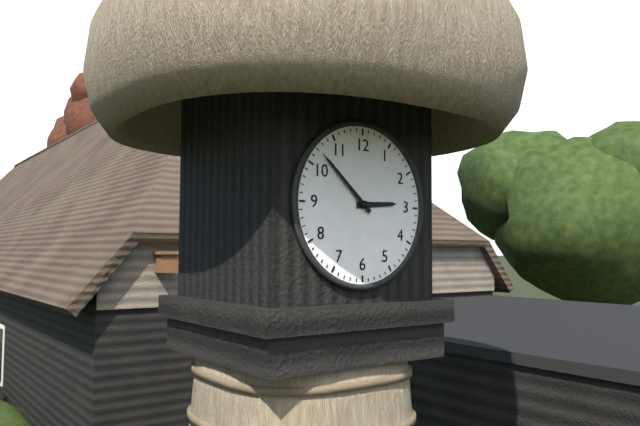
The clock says {"hour": 2, "minute": 52}
